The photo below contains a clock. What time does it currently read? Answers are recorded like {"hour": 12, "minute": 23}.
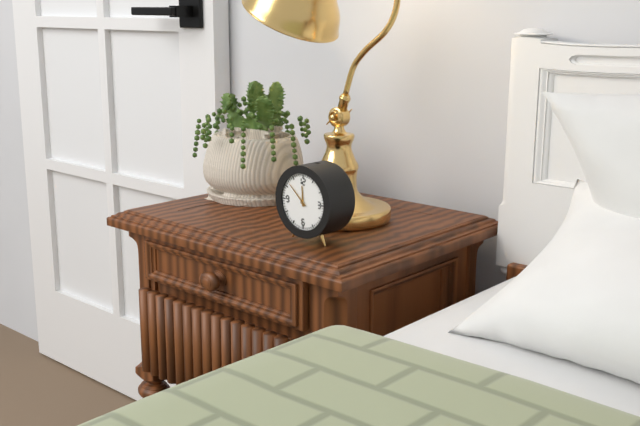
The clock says {"hour": 11, "minute": 52}
